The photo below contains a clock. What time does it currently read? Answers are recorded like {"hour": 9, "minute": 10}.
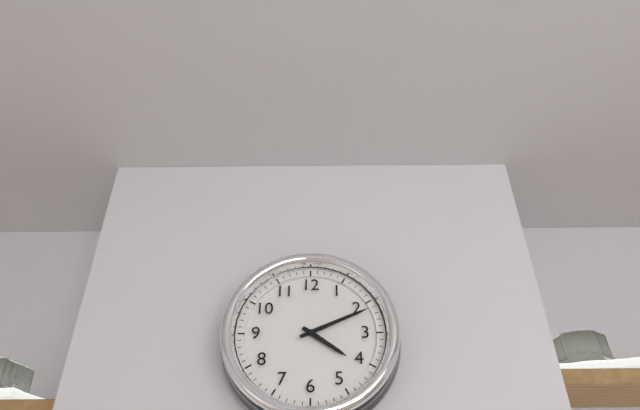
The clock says {"hour": 4, "minute": 11}
